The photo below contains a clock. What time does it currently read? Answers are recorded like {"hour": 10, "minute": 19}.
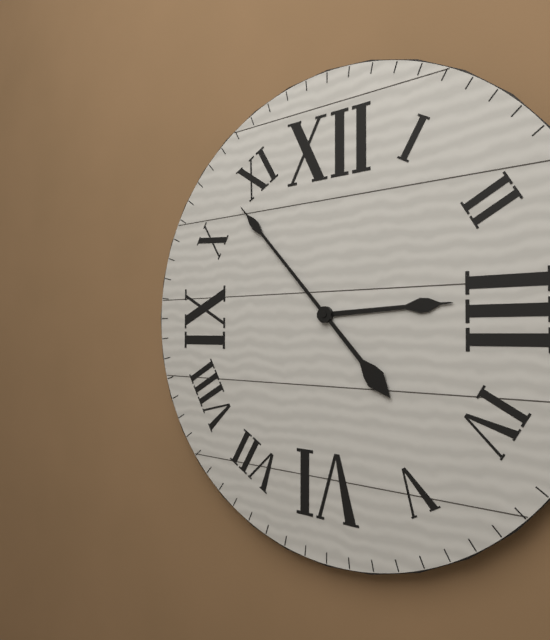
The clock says {"hour": 2, "minute": 53}
